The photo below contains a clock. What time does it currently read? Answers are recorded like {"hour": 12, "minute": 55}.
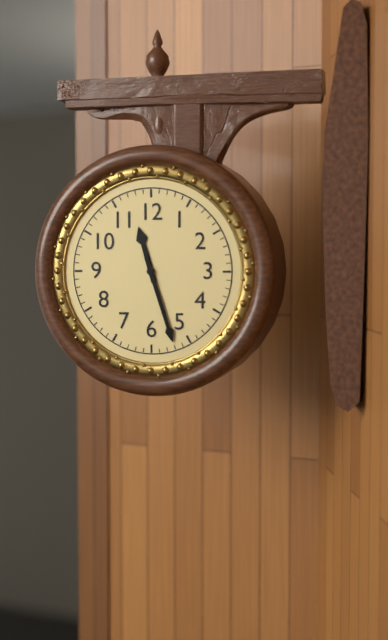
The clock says {"hour": 11, "minute": 27}
